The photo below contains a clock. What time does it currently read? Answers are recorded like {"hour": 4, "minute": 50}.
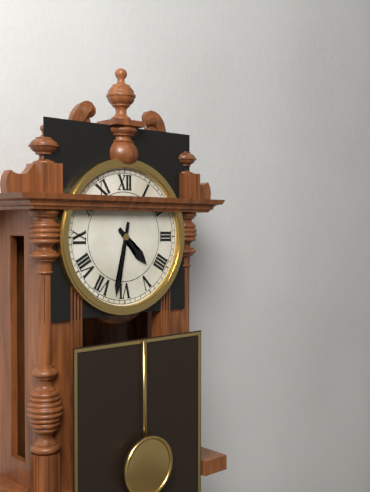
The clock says {"hour": 4, "minute": 32}
